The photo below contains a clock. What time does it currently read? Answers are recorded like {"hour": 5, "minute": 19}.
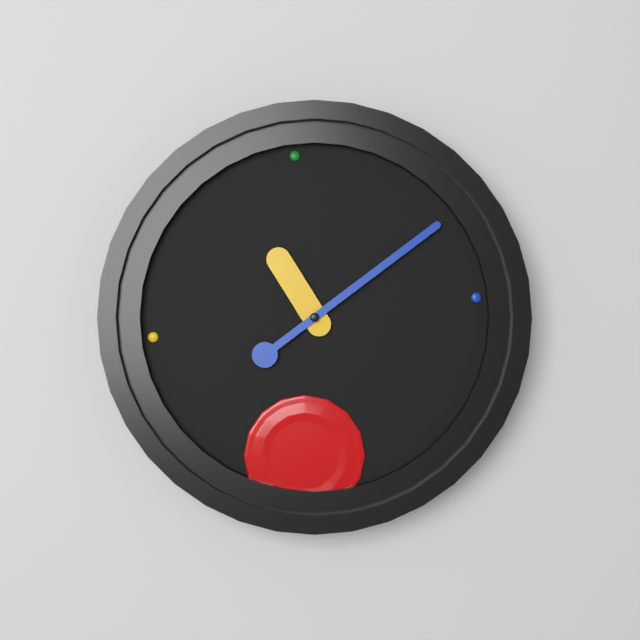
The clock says {"hour": 11, "minute": 10}
